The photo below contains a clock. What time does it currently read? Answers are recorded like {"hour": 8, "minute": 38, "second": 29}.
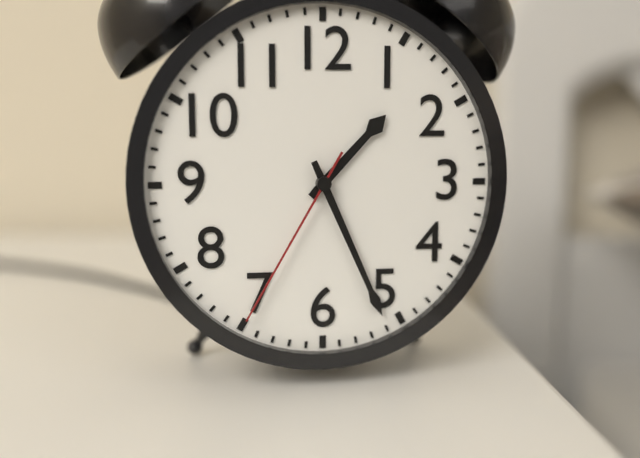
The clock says {"hour": 1, "minute": 26, "second": 35}
